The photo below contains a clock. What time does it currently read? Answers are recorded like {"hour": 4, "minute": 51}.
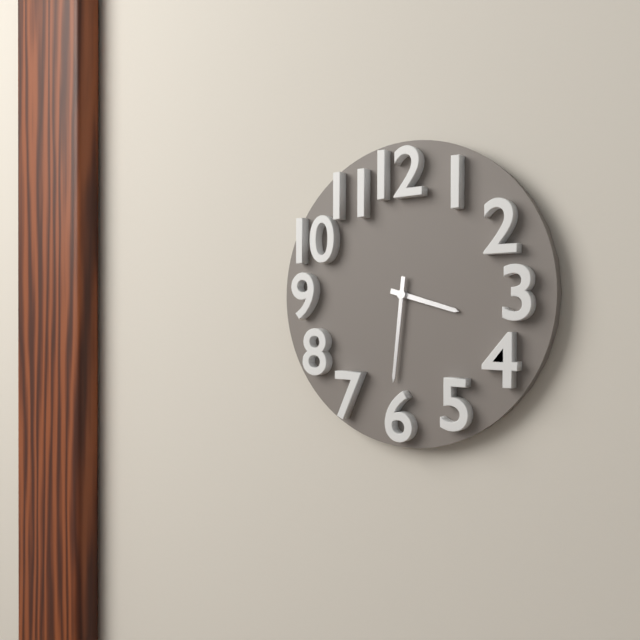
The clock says {"hour": 3, "minute": 31}
